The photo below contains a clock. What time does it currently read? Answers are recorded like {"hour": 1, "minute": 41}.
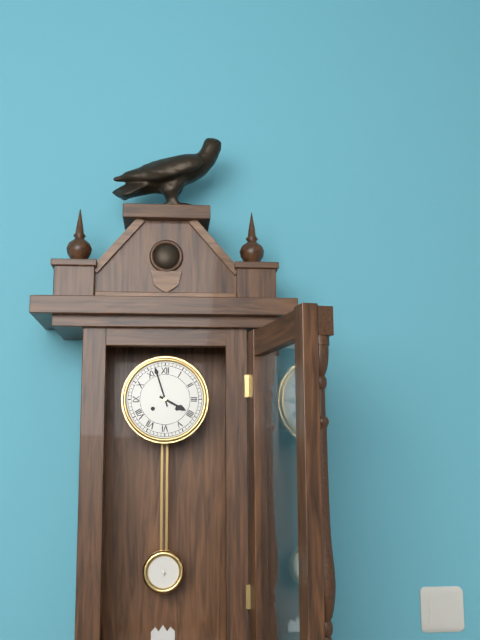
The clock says {"hour": 3, "minute": 57}
